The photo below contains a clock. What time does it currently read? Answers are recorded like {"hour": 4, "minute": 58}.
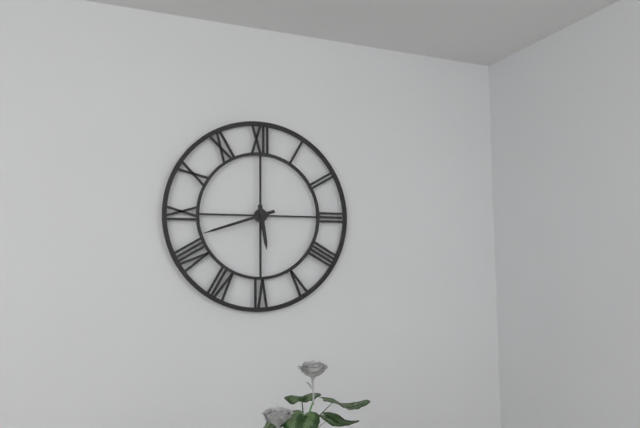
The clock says {"hour": 5, "minute": 42}
